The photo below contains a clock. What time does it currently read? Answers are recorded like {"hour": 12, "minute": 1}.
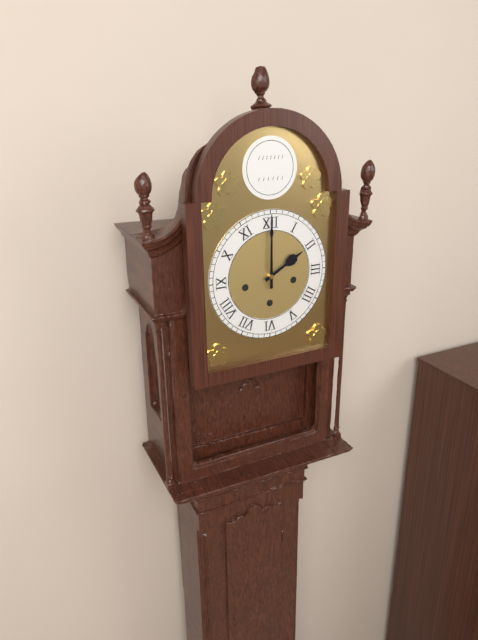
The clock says {"hour": 2, "minute": 0}
